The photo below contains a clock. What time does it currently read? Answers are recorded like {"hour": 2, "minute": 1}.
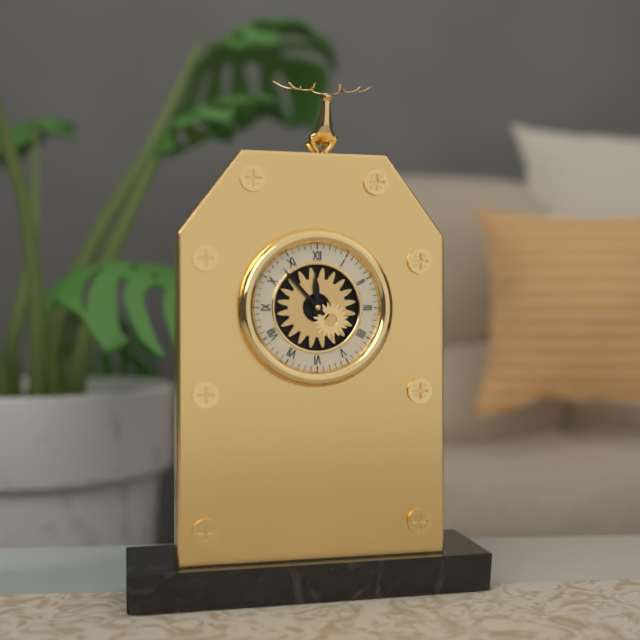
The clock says {"hour": 11, "minute": 53}
